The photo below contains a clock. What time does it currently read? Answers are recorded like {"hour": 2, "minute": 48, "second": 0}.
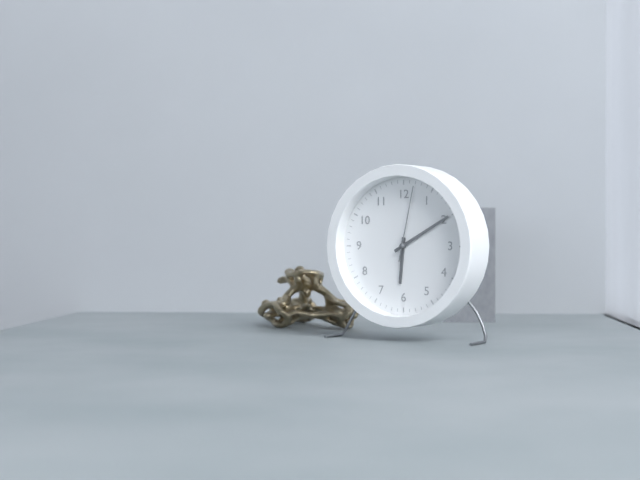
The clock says {"hour": 6, "minute": 10, "second": 2}
